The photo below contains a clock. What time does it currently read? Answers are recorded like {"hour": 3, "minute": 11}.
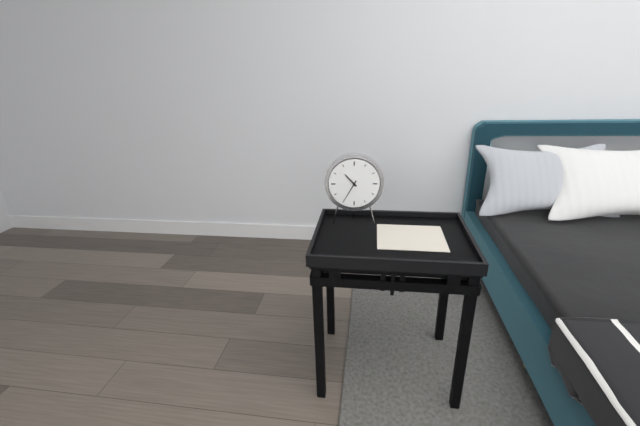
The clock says {"hour": 10, "minute": 35}
